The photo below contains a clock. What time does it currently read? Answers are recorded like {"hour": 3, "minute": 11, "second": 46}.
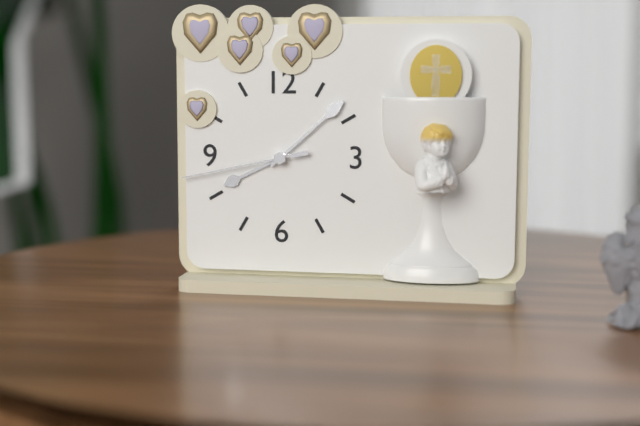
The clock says {"hour": 8, "minute": 8, "second": 43}
